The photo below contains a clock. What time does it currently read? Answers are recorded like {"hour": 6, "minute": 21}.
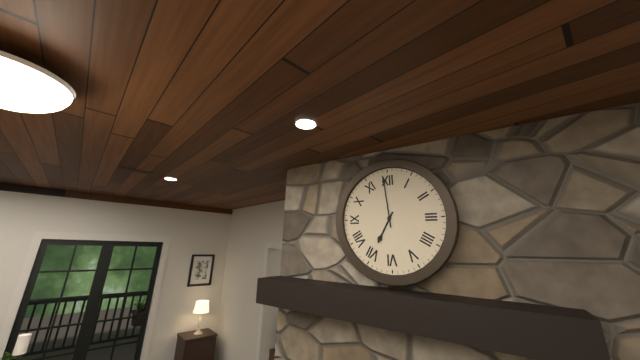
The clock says {"hour": 6, "minute": 59}
